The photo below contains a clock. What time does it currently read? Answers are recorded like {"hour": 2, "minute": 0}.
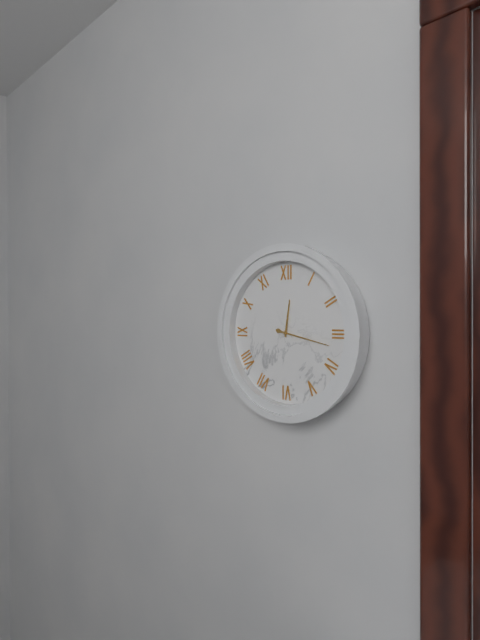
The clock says {"hour": 12, "minute": 17}
